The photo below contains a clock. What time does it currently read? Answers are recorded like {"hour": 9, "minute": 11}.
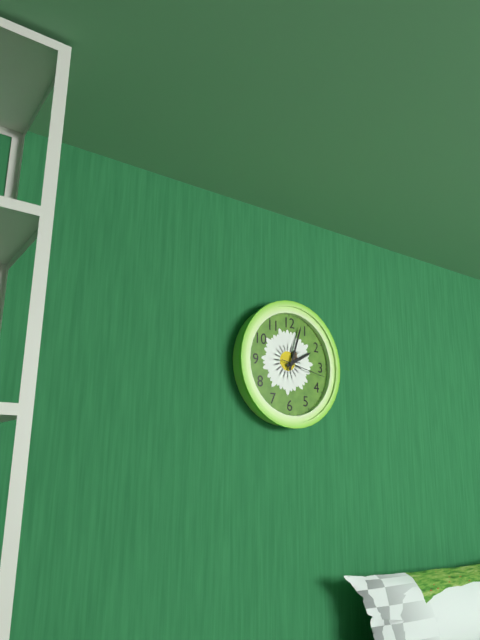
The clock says {"hour": 2, "minute": 3}
